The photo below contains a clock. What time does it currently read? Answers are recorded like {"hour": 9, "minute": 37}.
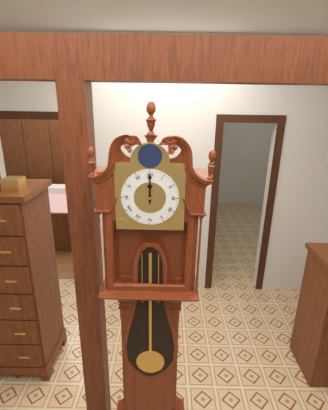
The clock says {"hour": 12, "minute": 0}
